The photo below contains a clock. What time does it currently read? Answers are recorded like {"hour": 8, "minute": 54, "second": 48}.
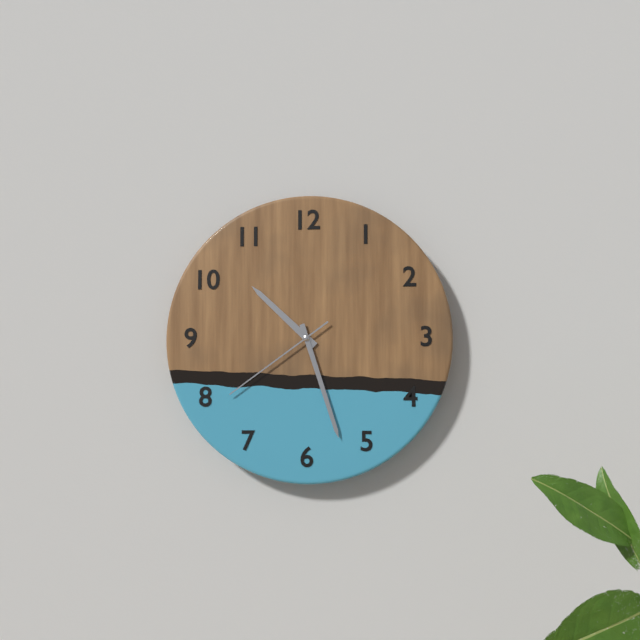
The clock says {"hour": 10, "minute": 27, "second": 39}
